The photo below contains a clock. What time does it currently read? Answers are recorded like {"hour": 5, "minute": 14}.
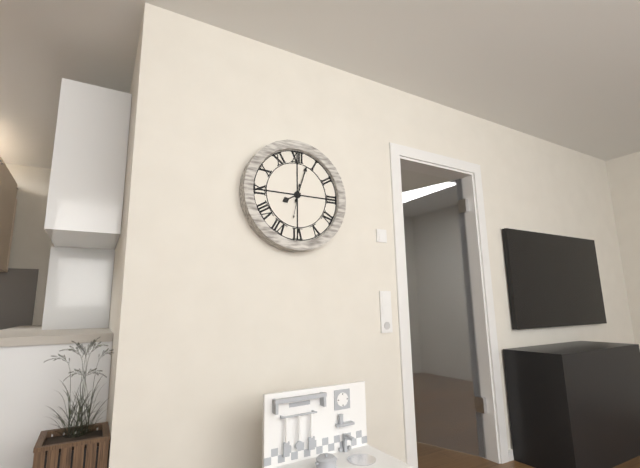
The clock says {"hour": 8, "minute": 3}
